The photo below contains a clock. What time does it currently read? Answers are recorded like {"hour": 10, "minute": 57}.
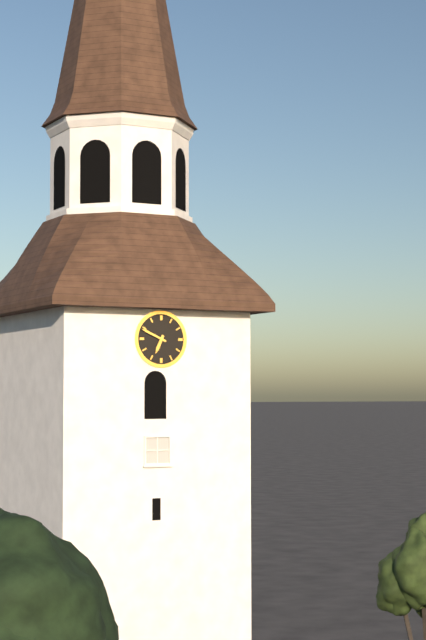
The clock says {"hour": 6, "minute": 49}
